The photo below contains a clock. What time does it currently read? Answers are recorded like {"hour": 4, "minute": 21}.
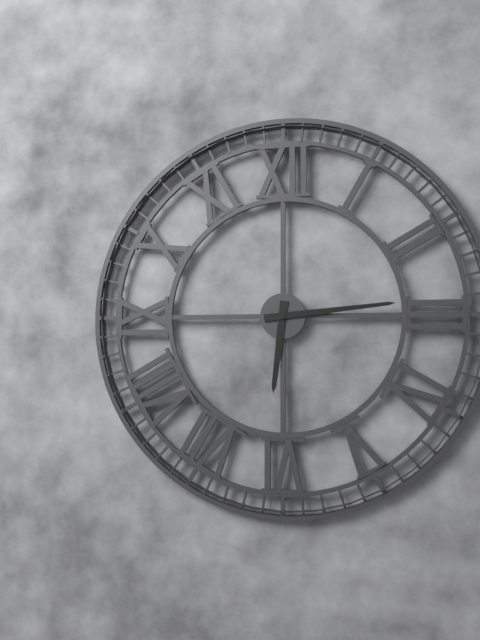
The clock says {"hour": 6, "minute": 14}
